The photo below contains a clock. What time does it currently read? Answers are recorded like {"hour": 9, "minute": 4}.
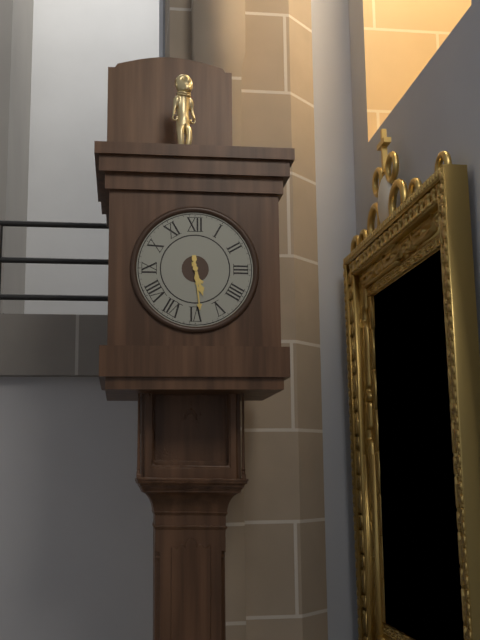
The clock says {"hour": 5, "minute": 29}
